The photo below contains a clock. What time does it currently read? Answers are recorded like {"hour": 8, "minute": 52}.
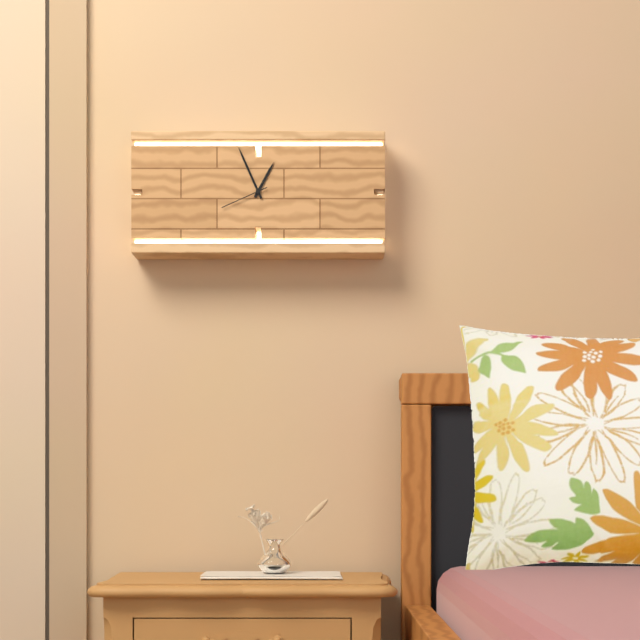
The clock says {"hour": 12, "minute": 56}
